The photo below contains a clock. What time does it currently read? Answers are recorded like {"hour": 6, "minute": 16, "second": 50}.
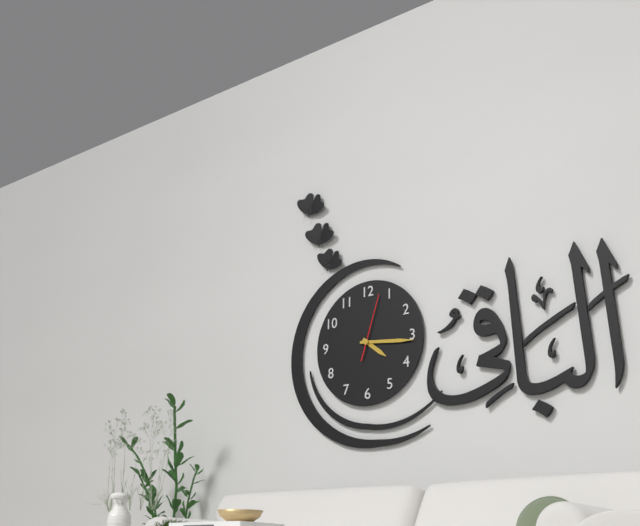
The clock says {"hour": 4, "minute": 16, "second": 3}
